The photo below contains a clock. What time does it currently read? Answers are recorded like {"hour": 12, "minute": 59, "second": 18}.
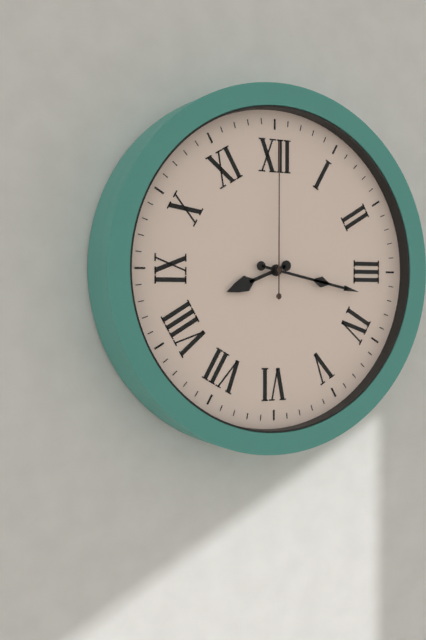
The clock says {"hour": 8, "minute": 17, "second": 0}
